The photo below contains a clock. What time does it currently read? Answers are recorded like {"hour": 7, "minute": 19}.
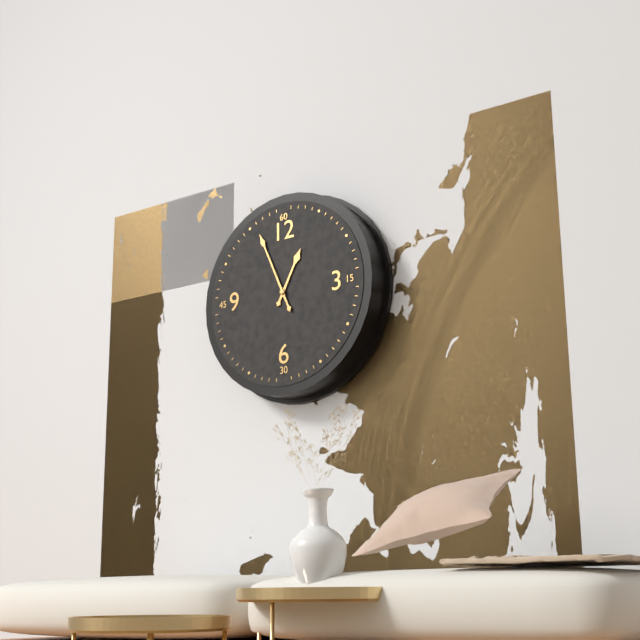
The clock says {"hour": 12, "minute": 56}
